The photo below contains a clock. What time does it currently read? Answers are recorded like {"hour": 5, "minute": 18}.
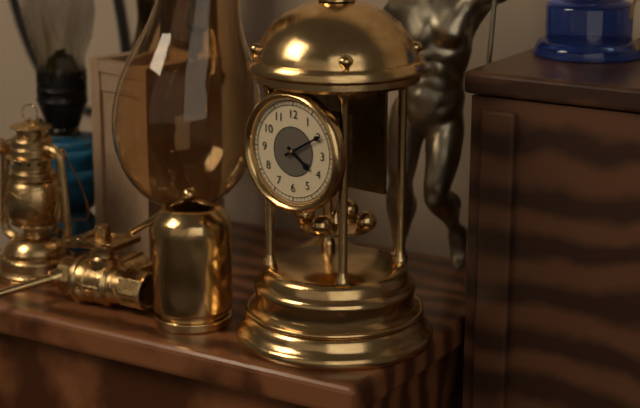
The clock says {"hour": 4, "minute": 10}
